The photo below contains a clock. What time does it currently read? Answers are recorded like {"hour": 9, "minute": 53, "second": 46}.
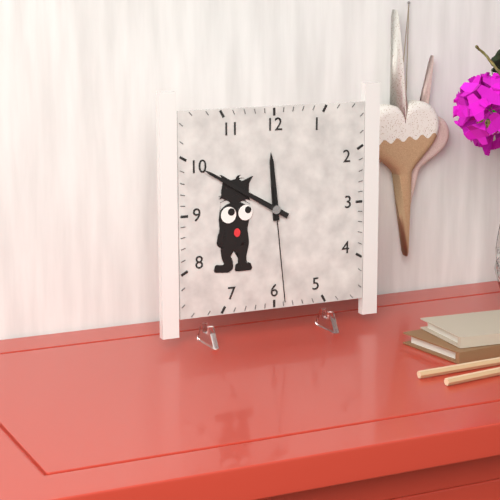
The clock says {"hour": 11, "minute": 50, "second": 29}
